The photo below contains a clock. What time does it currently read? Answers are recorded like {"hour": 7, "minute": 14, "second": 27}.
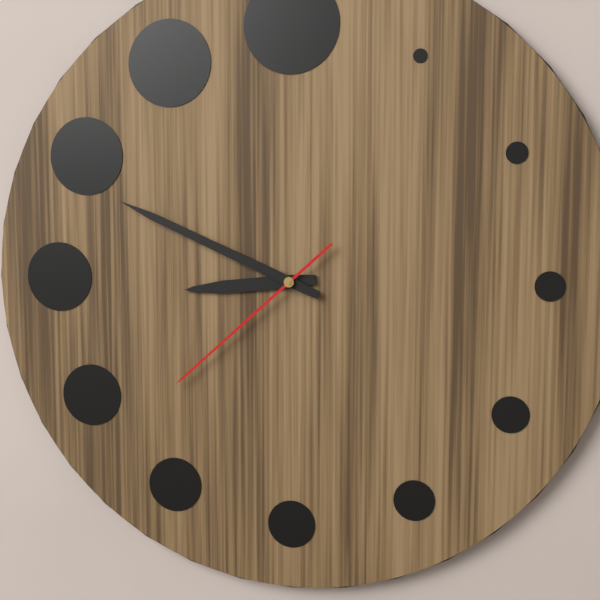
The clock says {"hour": 8, "minute": 49, "second": 38}
